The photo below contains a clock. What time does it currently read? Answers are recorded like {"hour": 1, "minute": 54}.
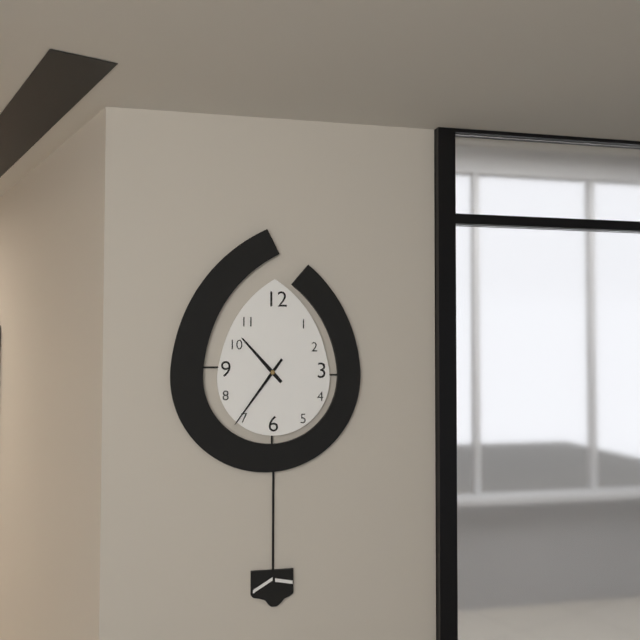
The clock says {"hour": 10, "minute": 36}
